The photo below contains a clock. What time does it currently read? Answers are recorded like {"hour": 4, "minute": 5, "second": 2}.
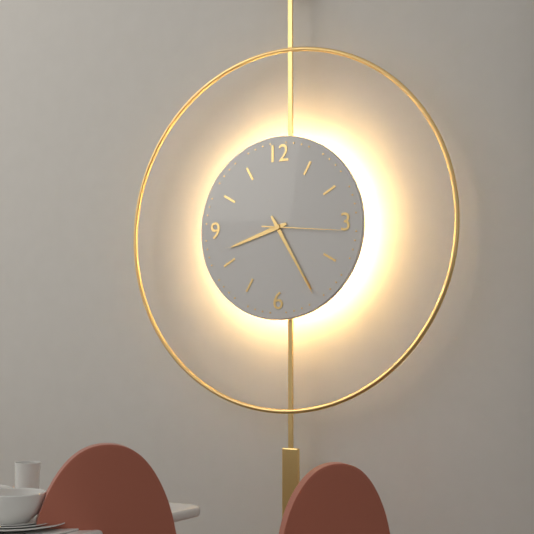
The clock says {"hour": 8, "minute": 25, "second": 16}
